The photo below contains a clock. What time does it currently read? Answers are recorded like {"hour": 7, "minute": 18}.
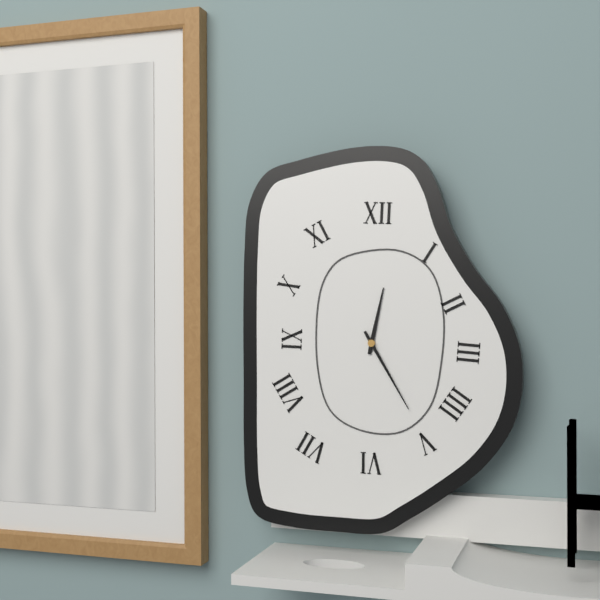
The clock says {"hour": 12, "minute": 25}
